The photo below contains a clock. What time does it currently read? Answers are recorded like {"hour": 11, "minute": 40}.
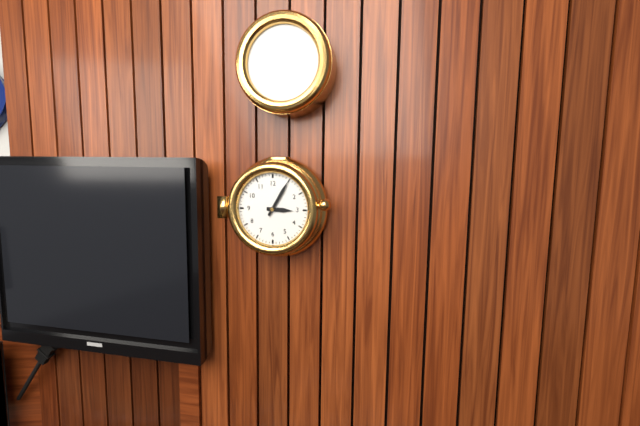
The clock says {"hour": 3, "minute": 5}
